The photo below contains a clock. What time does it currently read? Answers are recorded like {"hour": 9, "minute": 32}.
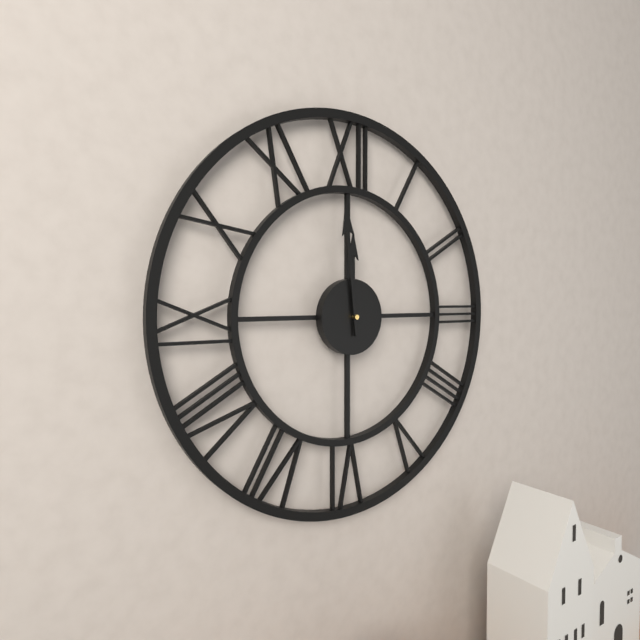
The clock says {"hour": 11, "minute": 59}
